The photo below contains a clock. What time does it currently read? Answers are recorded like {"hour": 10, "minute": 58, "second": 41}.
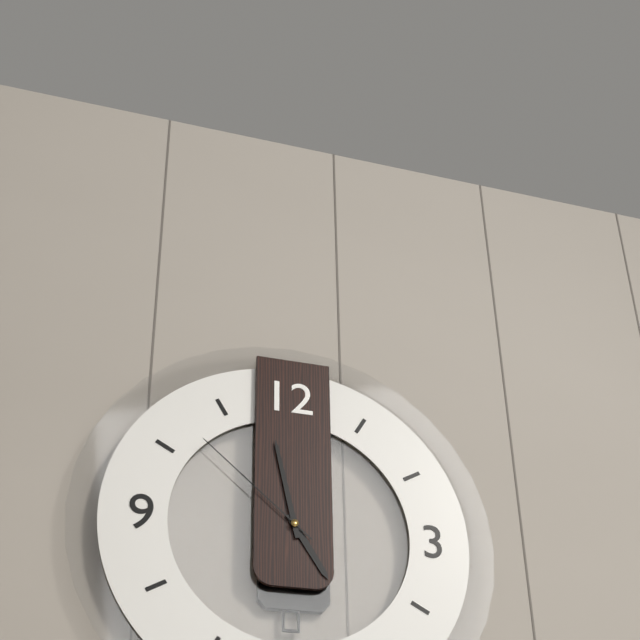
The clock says {"hour": 4, "minute": 58, "second": 52}
